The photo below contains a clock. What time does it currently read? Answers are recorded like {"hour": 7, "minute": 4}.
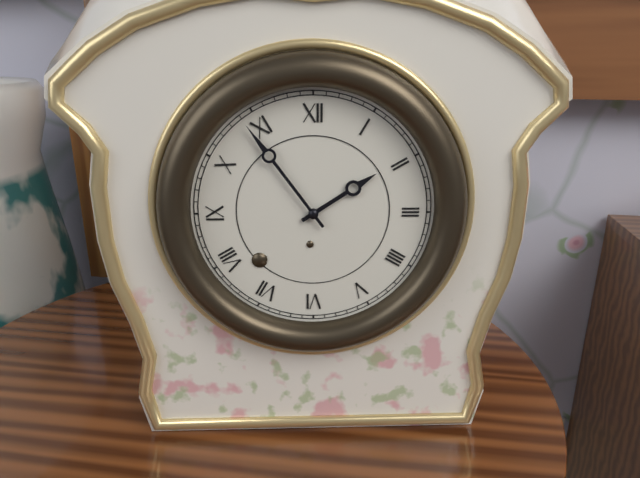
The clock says {"hour": 1, "minute": 54}
